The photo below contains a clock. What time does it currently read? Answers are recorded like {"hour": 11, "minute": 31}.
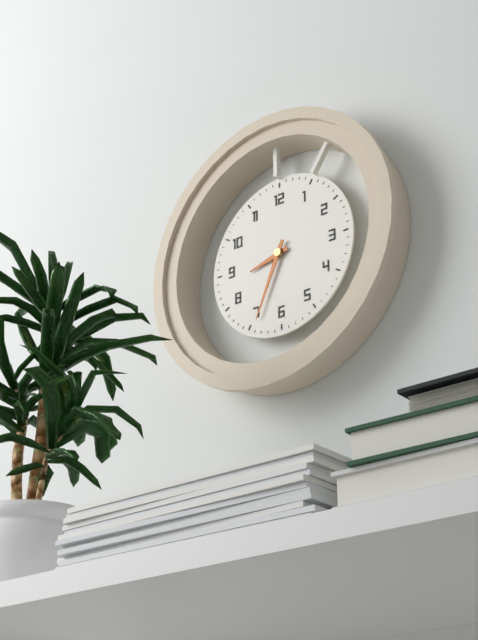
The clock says {"hour": 8, "minute": 34}
